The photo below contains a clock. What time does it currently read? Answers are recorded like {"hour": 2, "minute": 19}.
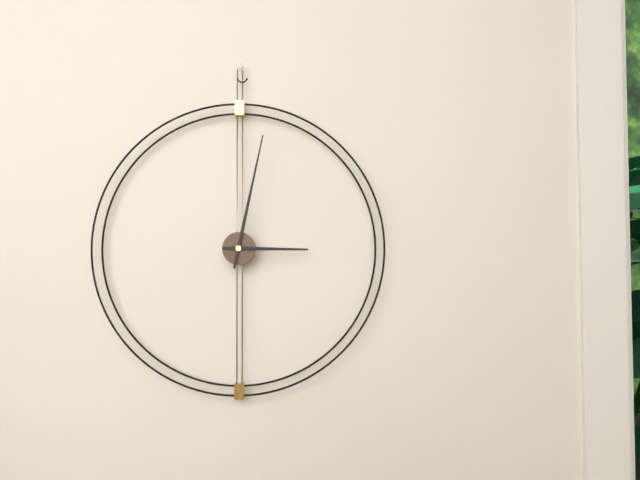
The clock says {"hour": 3, "minute": 2}
